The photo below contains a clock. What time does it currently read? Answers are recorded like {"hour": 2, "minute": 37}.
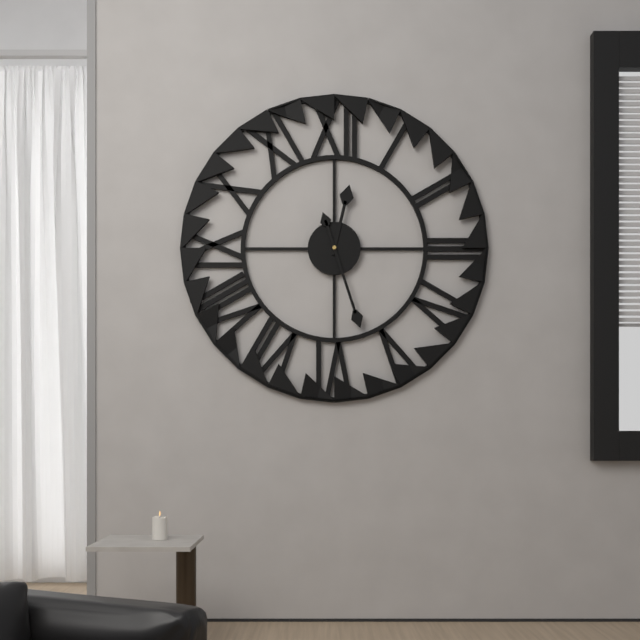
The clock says {"hour": 12, "minute": 27}
